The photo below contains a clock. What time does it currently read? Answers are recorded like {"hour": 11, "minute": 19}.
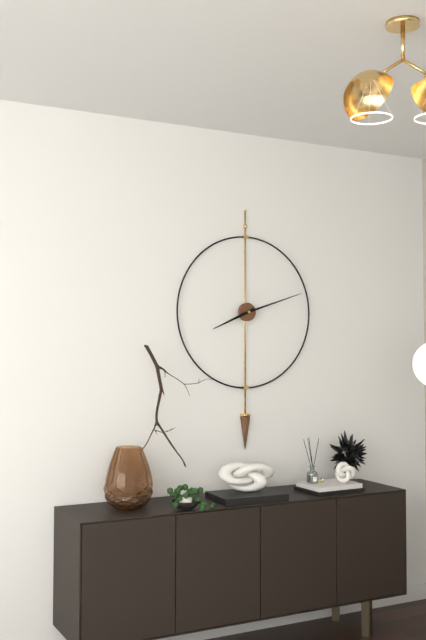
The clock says {"hour": 8, "minute": 12}
